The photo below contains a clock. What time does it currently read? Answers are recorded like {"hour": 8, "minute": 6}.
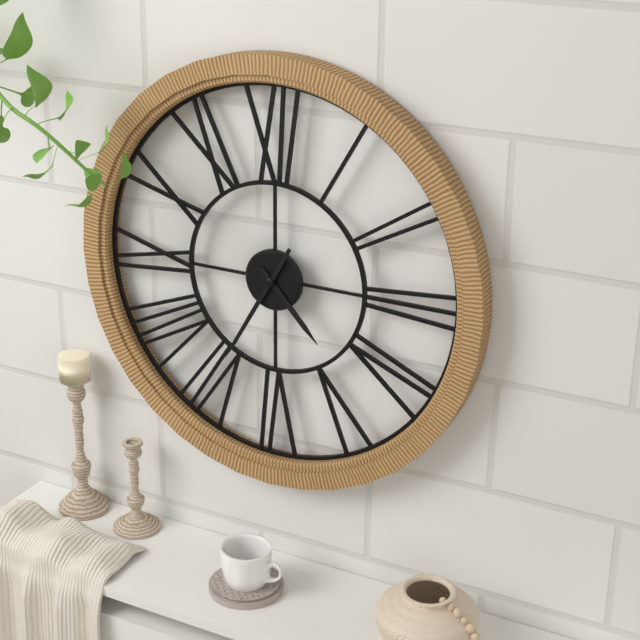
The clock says {"hour": 4, "minute": 35}
